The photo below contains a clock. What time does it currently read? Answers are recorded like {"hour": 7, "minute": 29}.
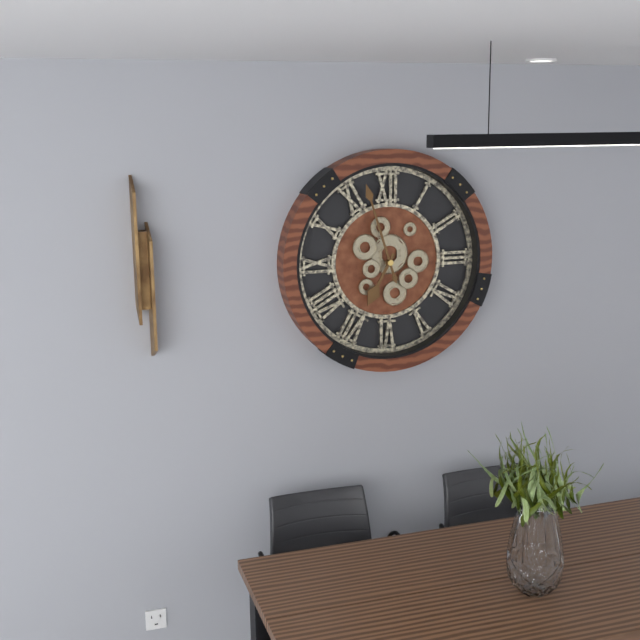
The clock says {"hour": 6, "minute": 57}
